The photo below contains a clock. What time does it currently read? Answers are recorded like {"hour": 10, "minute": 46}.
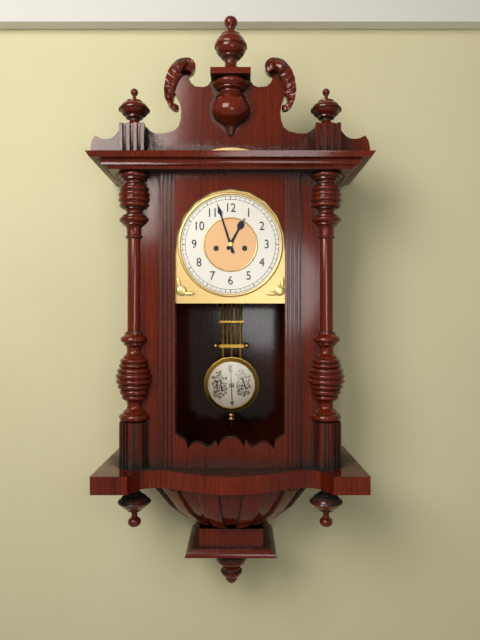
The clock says {"hour": 12, "minute": 57}
